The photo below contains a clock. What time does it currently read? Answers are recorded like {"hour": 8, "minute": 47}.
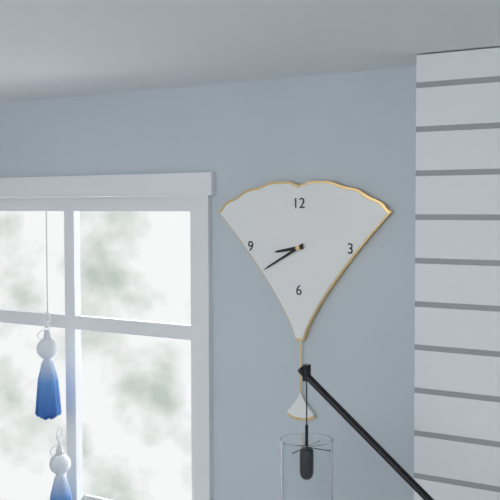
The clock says {"hour": 8, "minute": 40}
